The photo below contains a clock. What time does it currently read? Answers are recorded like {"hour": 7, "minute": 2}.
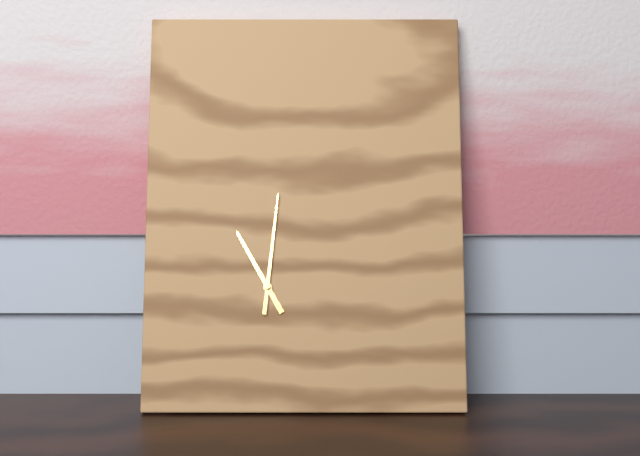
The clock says {"hour": 11, "minute": 1}
